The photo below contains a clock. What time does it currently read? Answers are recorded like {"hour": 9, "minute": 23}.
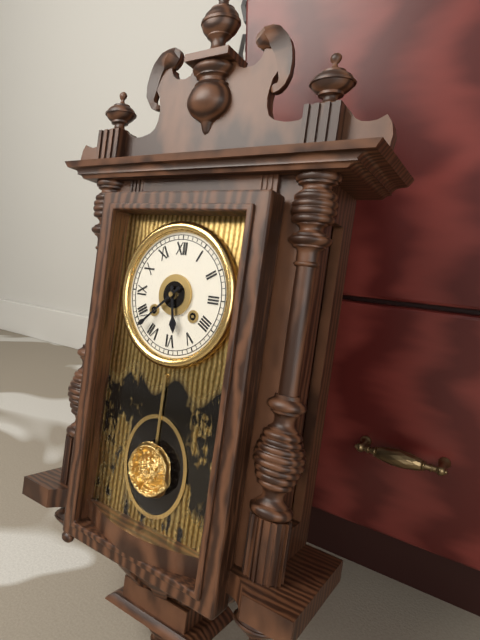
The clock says {"hour": 5, "minute": 38}
